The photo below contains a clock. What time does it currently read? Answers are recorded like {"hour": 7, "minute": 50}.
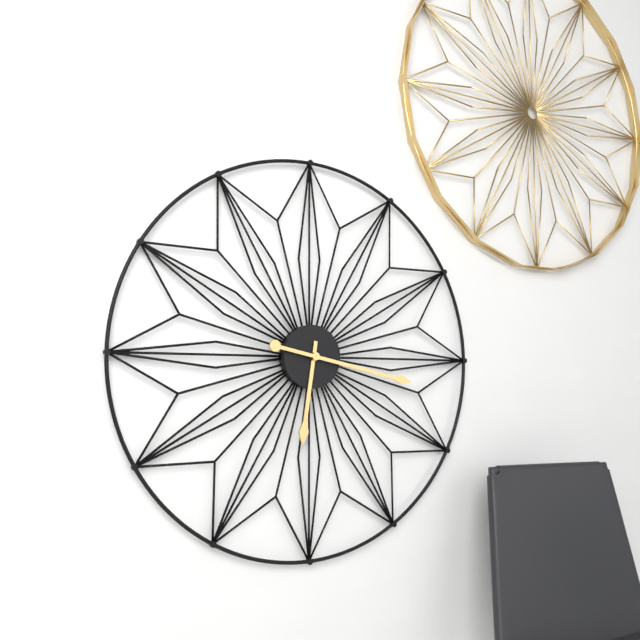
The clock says {"hour": 6, "minute": 17}
